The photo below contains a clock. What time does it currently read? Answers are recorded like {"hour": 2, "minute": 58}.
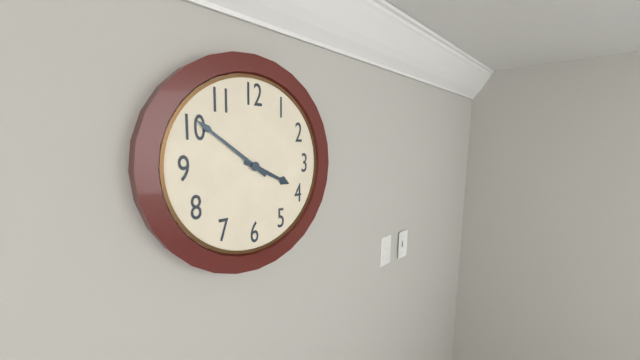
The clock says {"hour": 3, "minute": 51}
